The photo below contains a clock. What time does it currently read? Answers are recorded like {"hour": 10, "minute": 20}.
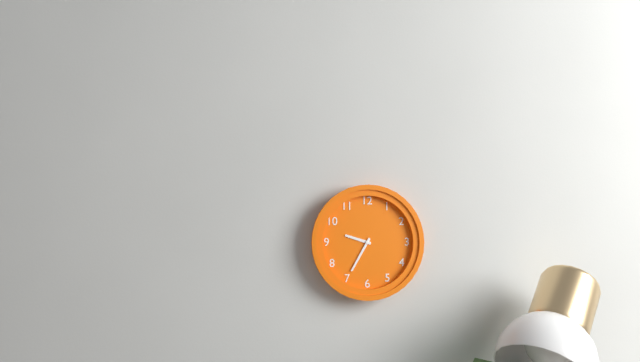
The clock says {"hour": 9, "minute": 35}
